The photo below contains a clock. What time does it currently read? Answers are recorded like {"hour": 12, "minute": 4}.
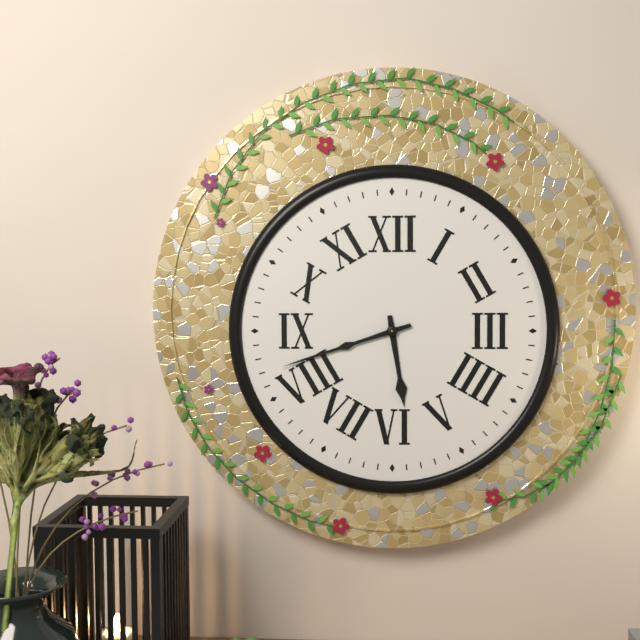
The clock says {"hour": 5, "minute": 42}
